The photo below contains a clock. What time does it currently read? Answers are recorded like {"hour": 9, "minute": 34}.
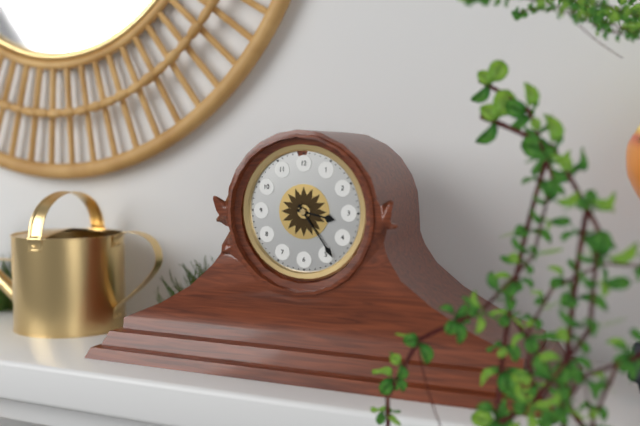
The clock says {"hour": 3, "minute": 24}
